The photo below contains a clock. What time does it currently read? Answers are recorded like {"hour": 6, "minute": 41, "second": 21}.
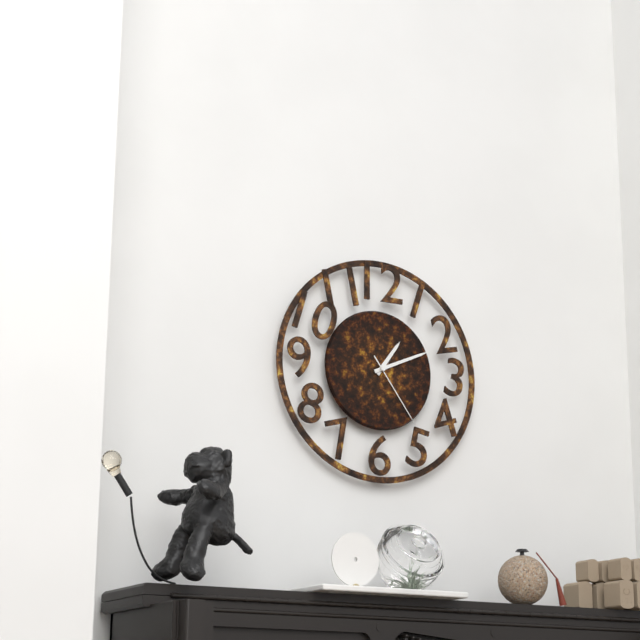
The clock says {"hour": 1, "minute": 11, "second": 24}
